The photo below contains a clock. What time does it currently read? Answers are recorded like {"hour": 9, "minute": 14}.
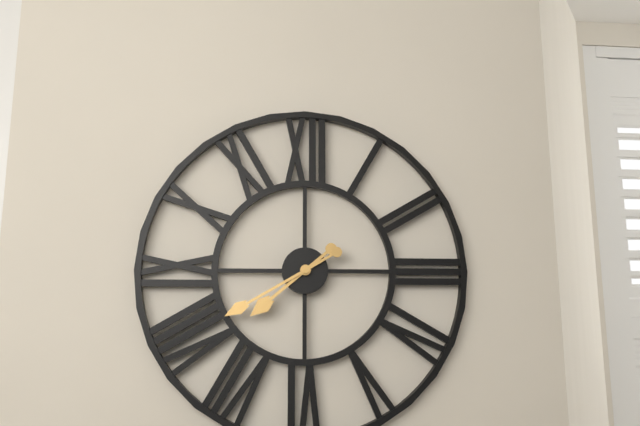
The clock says {"hour": 7, "minute": 40}
